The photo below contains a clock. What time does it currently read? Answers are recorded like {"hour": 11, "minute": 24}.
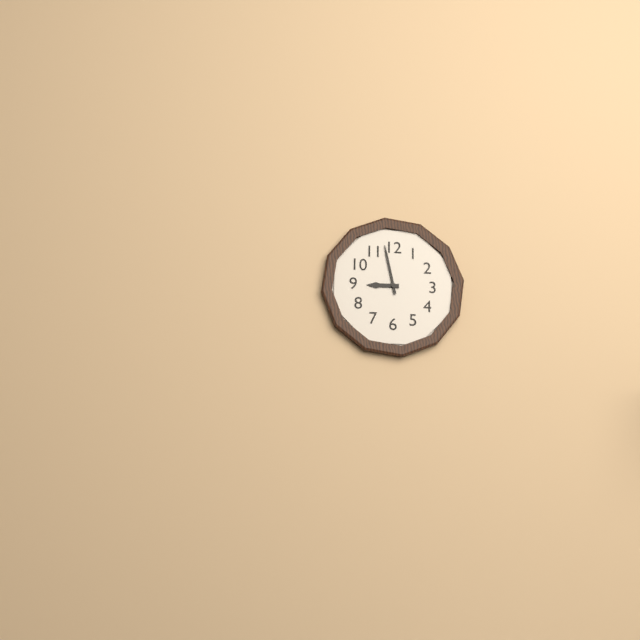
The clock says {"hour": 8, "minute": 58}
